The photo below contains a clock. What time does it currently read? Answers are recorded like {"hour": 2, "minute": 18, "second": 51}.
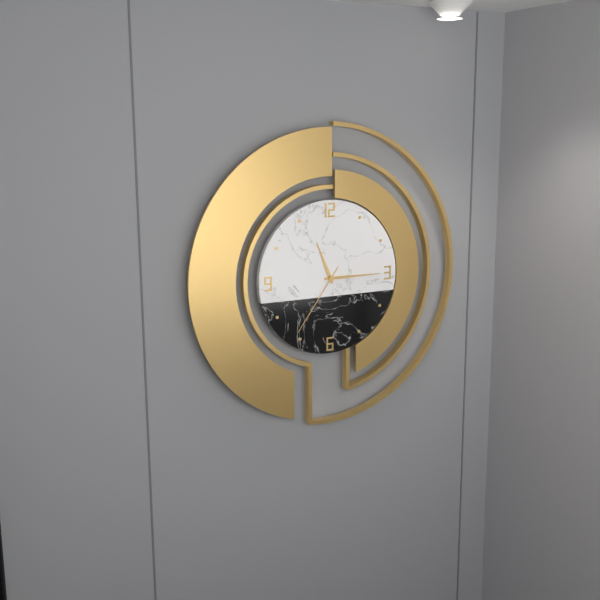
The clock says {"hour": 11, "minute": 15, "second": 36}
